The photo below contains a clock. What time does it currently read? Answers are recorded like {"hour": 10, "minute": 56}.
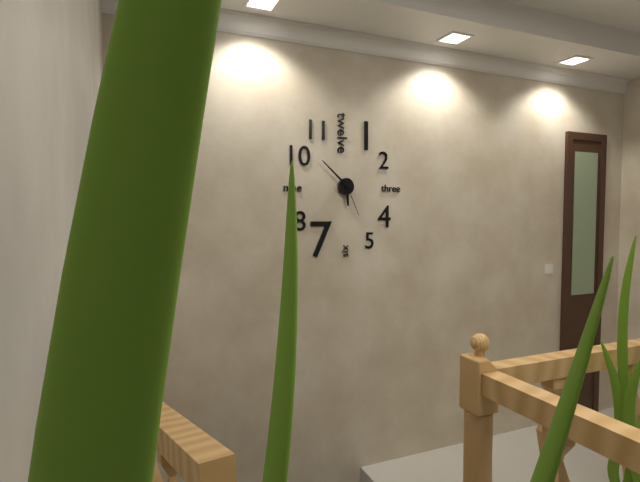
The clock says {"hour": 5, "minute": 52}
